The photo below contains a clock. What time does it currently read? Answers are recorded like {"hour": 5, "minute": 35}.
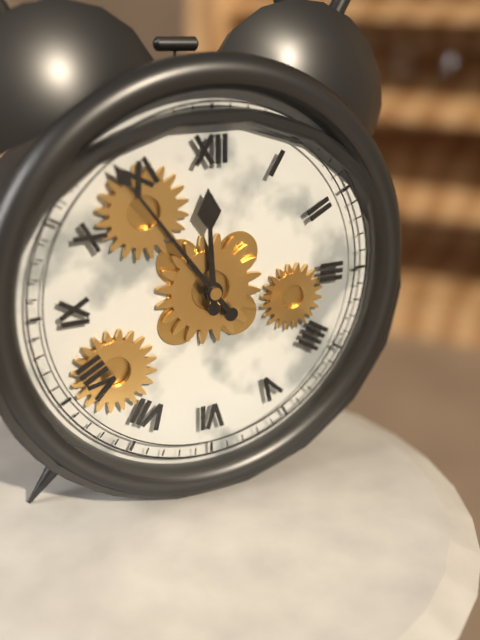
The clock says {"hour": 11, "minute": 54}
